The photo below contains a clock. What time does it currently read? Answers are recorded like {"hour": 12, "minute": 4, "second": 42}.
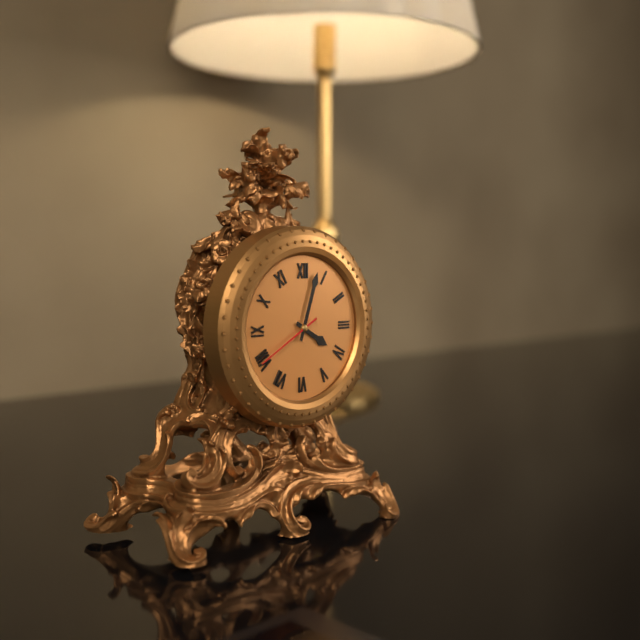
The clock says {"hour": 4, "minute": 3, "second": 40}
